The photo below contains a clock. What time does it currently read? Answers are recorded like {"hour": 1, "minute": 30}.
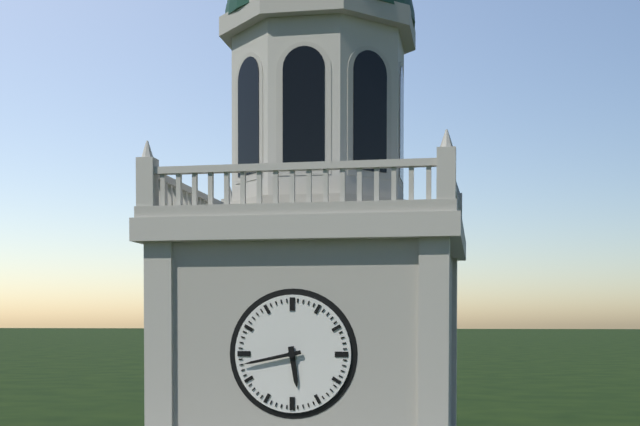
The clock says {"hour": 5, "minute": 43}
